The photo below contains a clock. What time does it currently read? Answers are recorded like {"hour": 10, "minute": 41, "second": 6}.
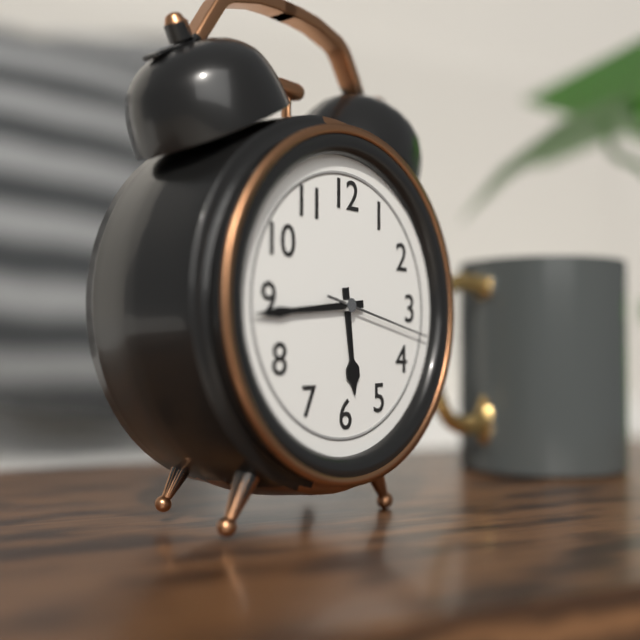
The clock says {"hour": 5, "minute": 44, "second": 17}
